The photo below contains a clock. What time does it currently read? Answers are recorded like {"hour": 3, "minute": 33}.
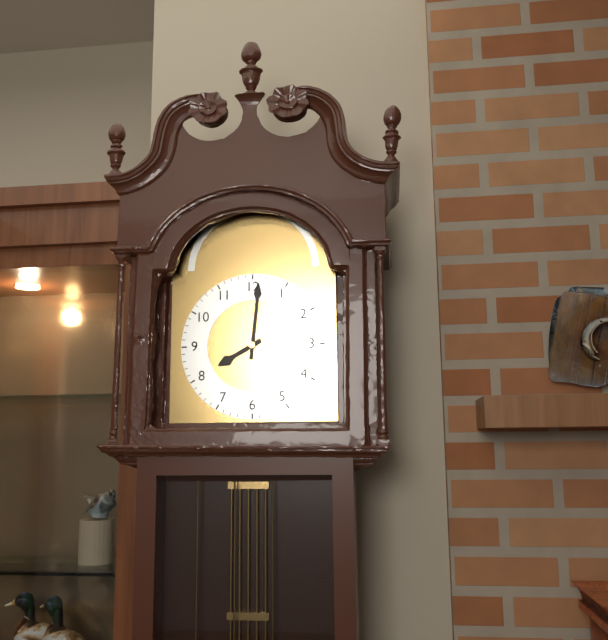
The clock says {"hour": 8, "minute": 1}
